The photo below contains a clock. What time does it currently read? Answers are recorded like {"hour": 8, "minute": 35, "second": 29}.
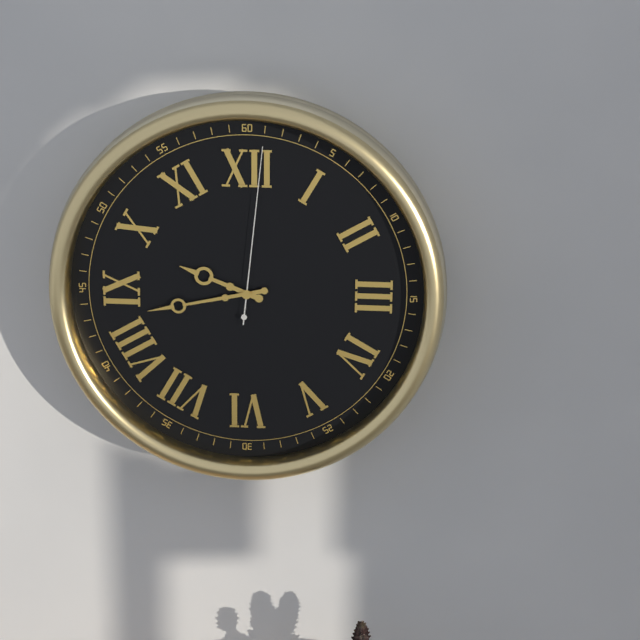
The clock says {"hour": 9, "minute": 43, "second": 1}
